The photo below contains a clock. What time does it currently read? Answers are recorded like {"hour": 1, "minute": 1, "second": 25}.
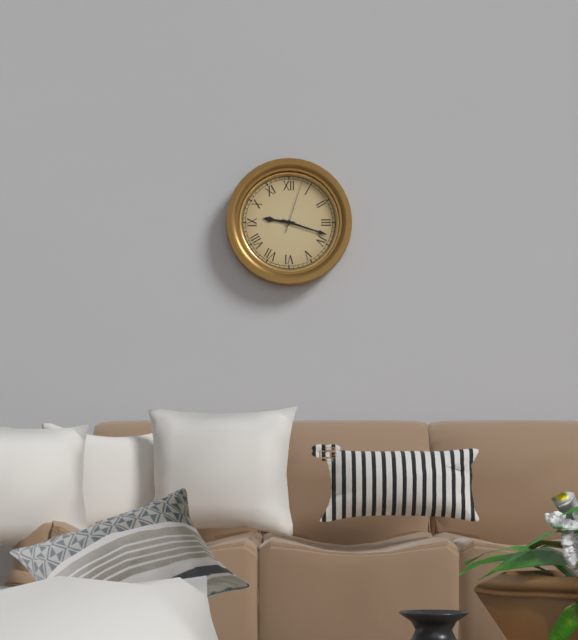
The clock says {"hour": 9, "minute": 18, "second": 3}
